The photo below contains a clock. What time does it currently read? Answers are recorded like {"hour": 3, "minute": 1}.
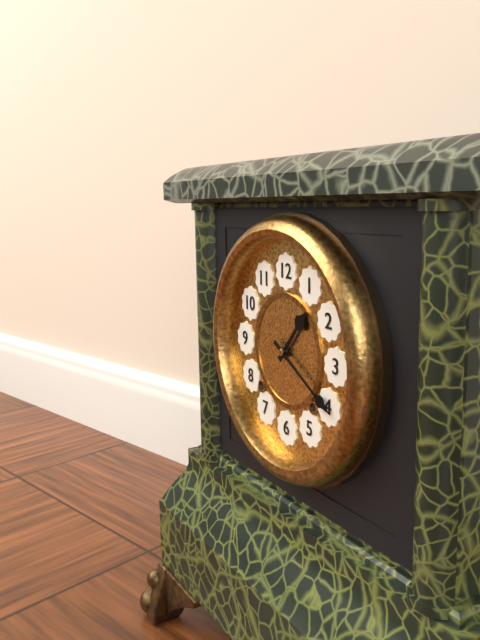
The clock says {"hour": 1, "minute": 20}
